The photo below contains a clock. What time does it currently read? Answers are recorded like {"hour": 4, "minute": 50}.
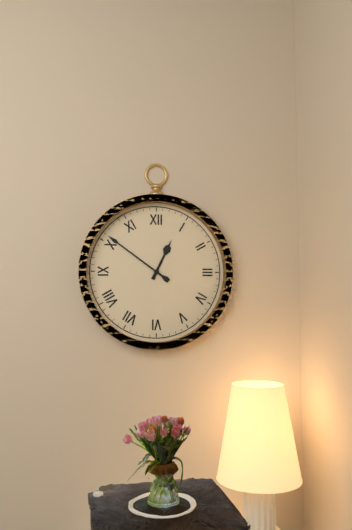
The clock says {"hour": 12, "minute": 51}
